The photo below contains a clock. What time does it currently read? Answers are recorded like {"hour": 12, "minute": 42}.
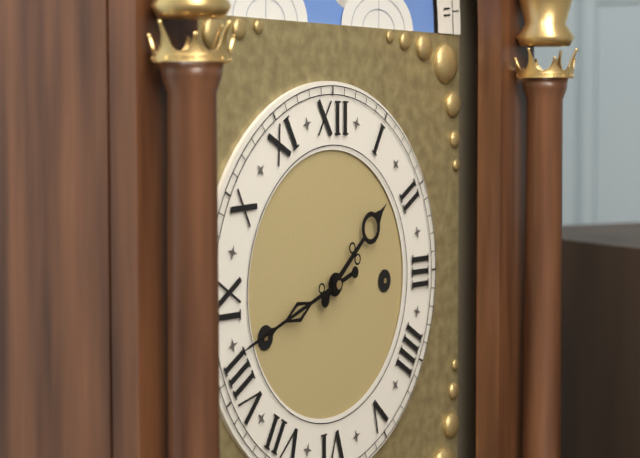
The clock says {"hour": 1, "minute": 42}
